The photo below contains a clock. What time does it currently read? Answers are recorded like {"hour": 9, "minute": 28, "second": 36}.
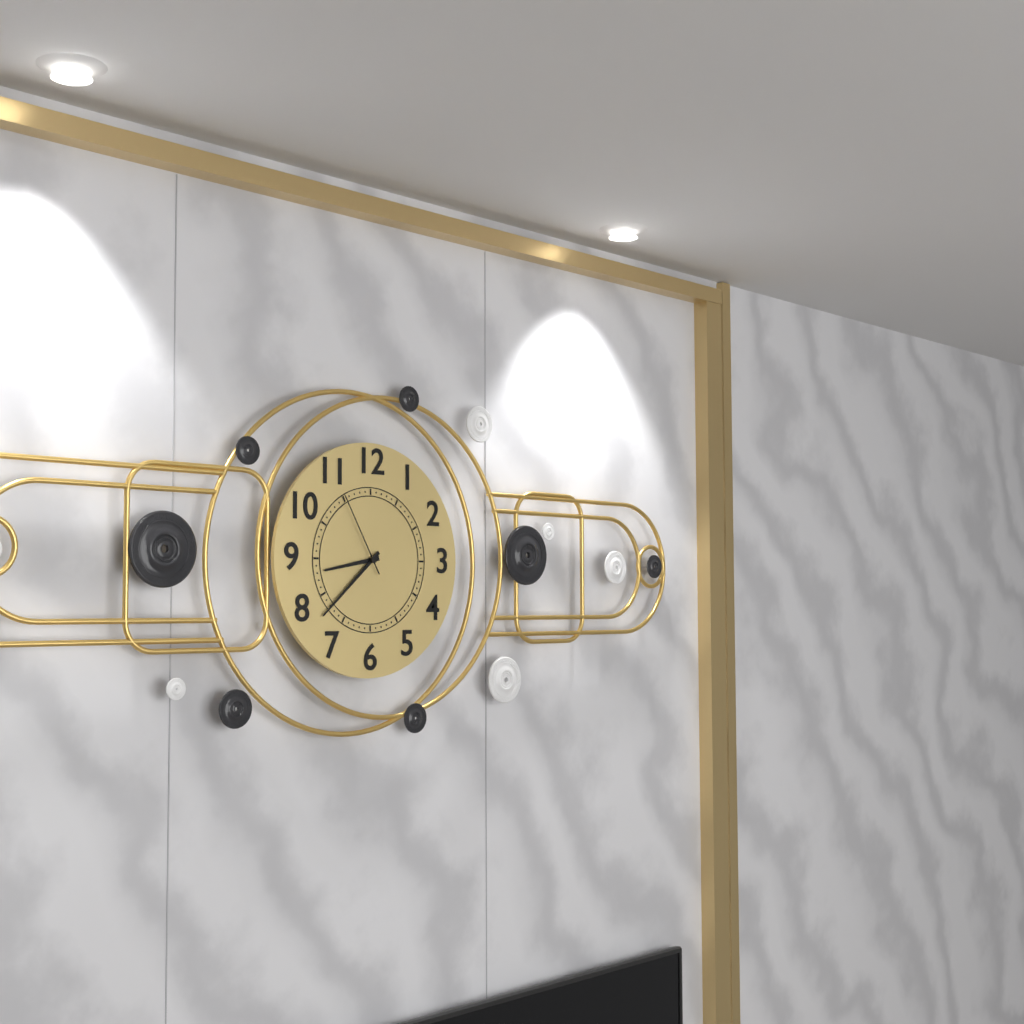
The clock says {"hour": 8, "minute": 38, "second": 55}
